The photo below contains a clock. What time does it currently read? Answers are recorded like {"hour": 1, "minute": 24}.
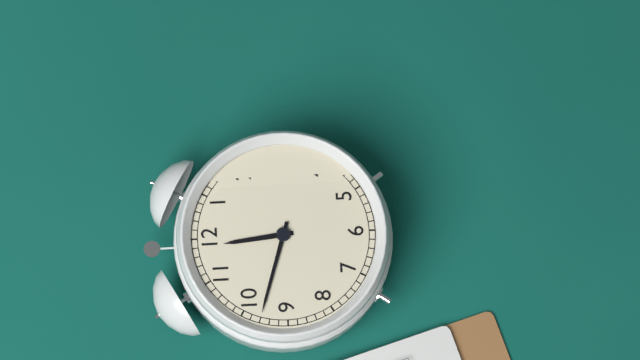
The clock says {"hour": 11, "minute": 48}
